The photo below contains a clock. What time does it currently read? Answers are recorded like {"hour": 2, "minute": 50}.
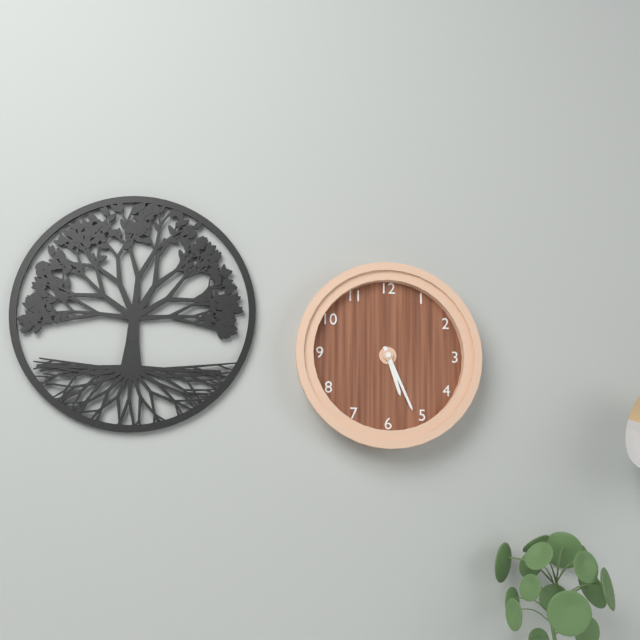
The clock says {"hour": 5, "minute": 26}
